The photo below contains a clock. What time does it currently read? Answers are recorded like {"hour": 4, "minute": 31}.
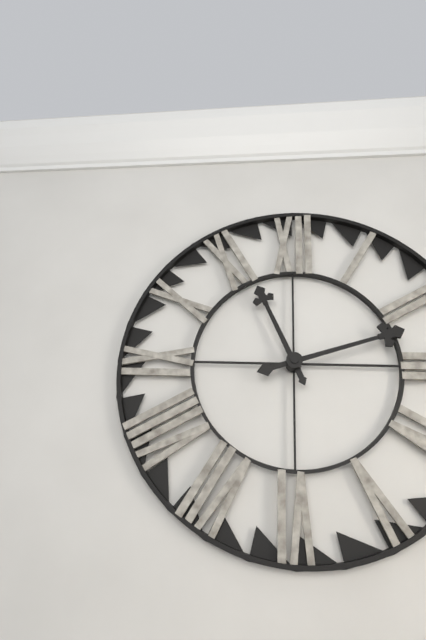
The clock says {"hour": 11, "minute": 12}
